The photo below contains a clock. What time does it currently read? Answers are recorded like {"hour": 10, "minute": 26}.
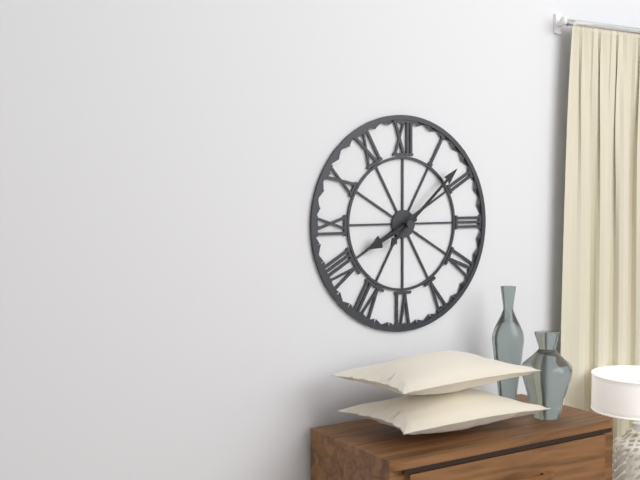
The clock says {"hour": 8, "minute": 8}
